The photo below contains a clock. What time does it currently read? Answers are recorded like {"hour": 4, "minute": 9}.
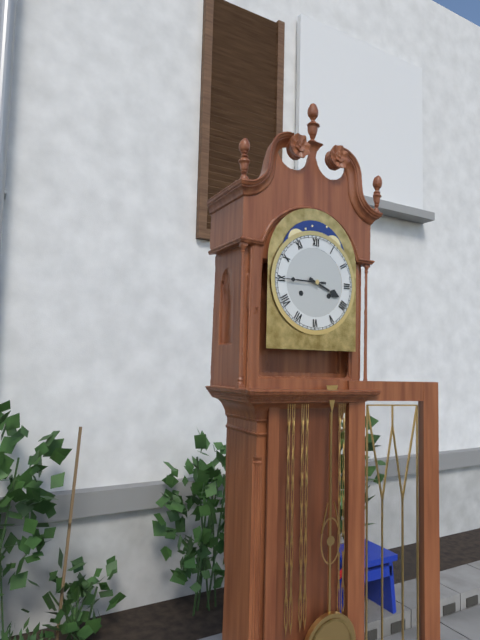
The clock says {"hour": 3, "minute": 45}
